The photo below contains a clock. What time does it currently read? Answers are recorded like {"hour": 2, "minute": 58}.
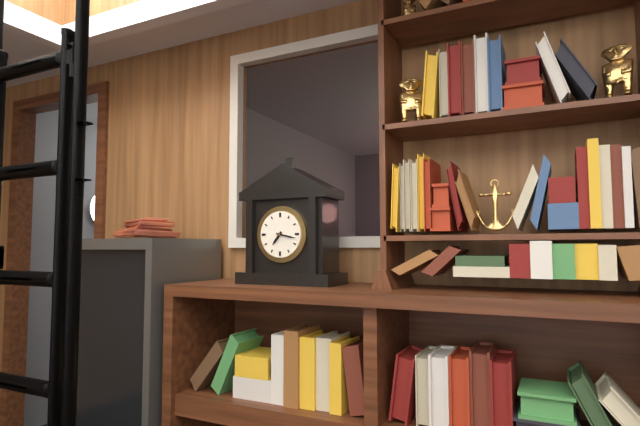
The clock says {"hour": 7, "minute": 17}
